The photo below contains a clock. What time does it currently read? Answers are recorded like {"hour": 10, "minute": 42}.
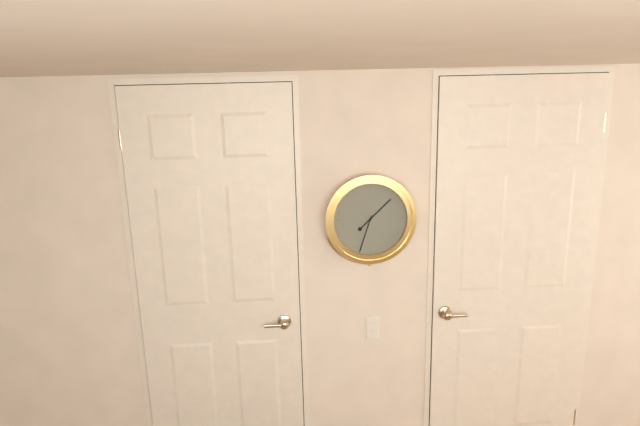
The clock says {"hour": 1, "minute": 33}
